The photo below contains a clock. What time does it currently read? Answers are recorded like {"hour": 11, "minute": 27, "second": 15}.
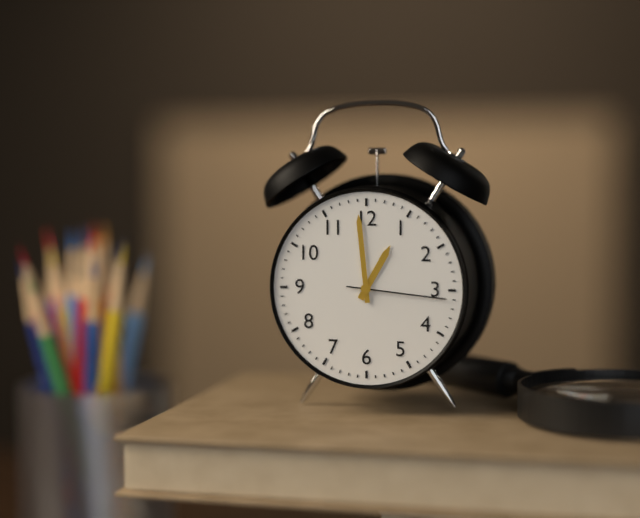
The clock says {"hour": 12, "minute": 59, "second": 16}
